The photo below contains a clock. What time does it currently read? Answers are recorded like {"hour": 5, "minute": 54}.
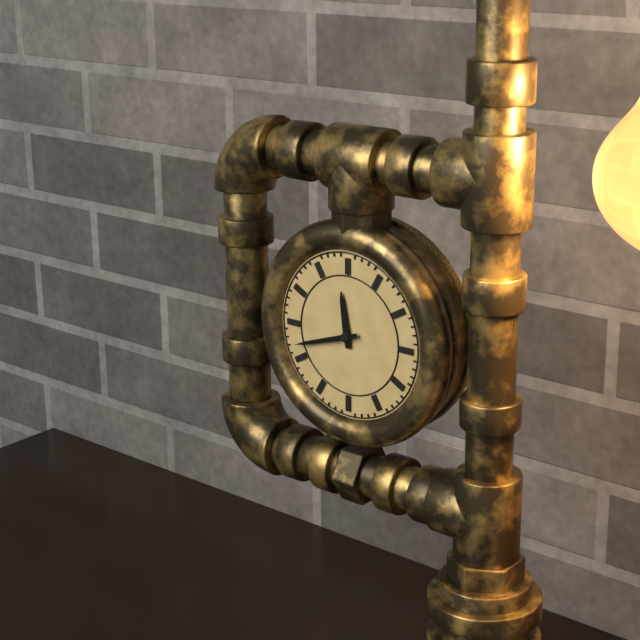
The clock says {"hour": 11, "minute": 42}
